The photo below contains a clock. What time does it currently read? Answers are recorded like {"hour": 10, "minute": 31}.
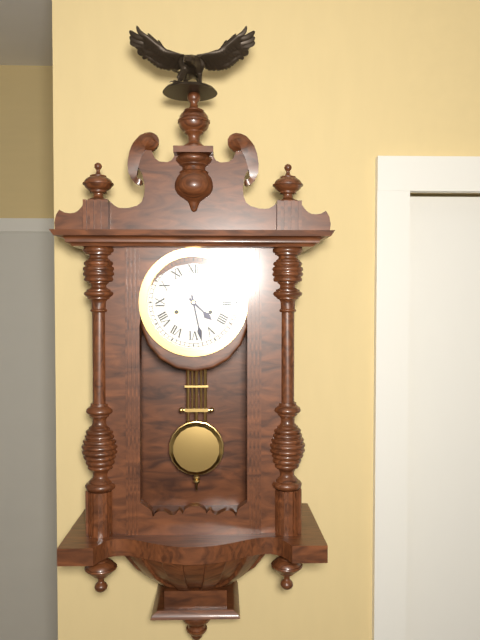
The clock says {"hour": 4, "minute": 28}
